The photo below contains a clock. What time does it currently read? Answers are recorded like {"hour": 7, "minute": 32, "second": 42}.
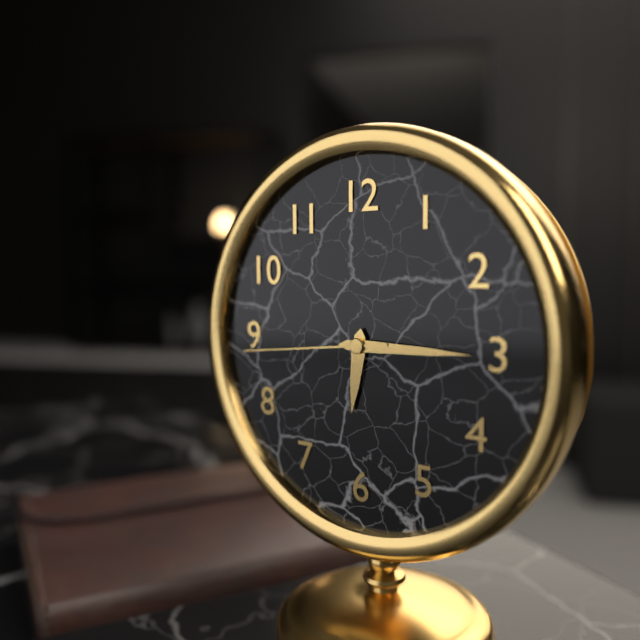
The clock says {"hour": 6, "minute": 15, "second": 44}
